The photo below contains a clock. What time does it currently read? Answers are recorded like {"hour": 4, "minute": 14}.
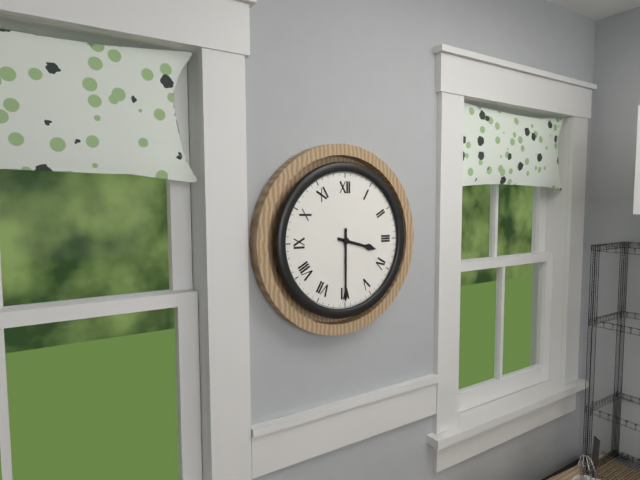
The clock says {"hour": 3, "minute": 30}
